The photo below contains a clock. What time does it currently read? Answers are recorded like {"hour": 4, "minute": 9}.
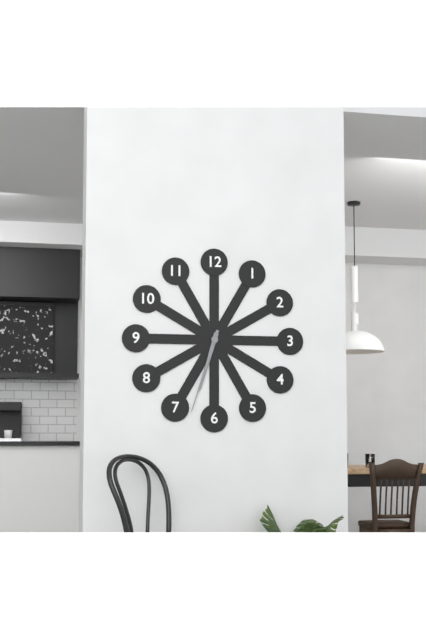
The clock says {"hour": 6, "minute": 33}
